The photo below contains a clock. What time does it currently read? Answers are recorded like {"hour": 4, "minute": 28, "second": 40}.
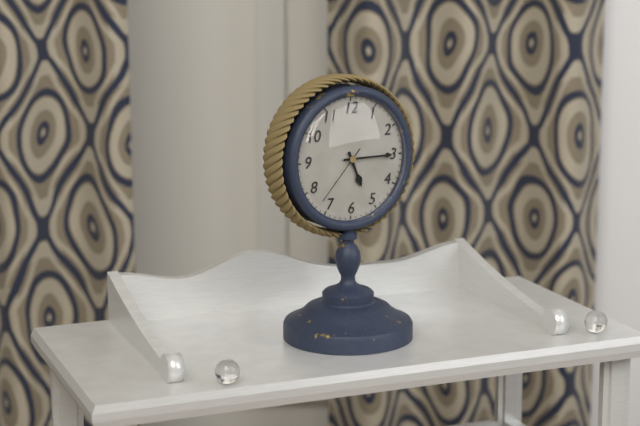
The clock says {"hour": 5, "minute": 15, "second": 37}
